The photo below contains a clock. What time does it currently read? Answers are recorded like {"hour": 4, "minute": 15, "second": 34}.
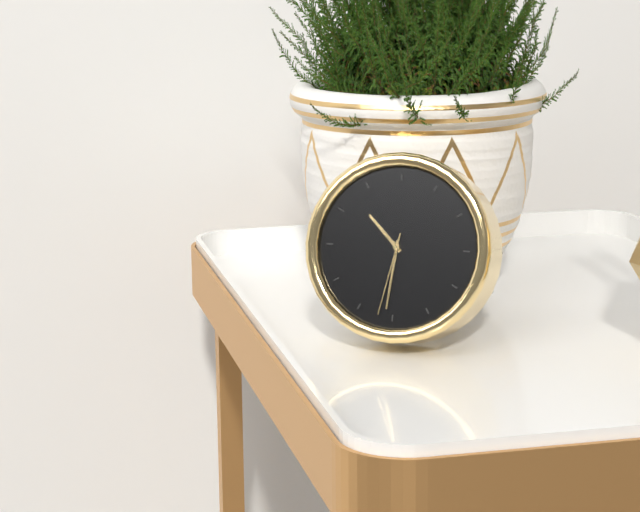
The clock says {"hour": 10, "minute": 31, "second": 32}
